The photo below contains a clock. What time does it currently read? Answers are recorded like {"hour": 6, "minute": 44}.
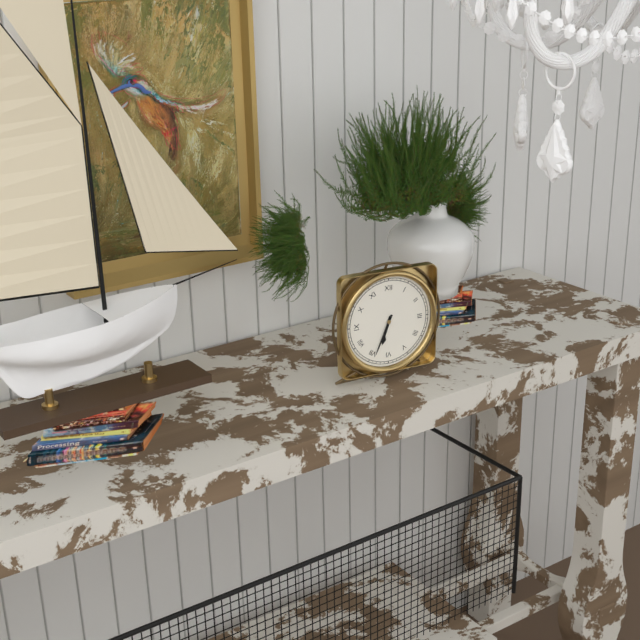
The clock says {"hour": 6, "minute": 34}
